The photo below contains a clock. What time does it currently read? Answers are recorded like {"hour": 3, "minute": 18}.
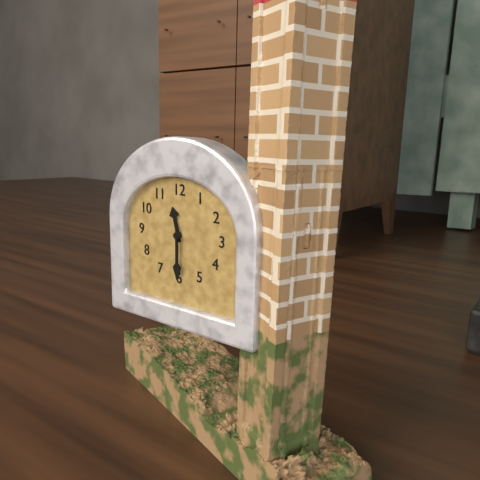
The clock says {"hour": 11, "minute": 30}
